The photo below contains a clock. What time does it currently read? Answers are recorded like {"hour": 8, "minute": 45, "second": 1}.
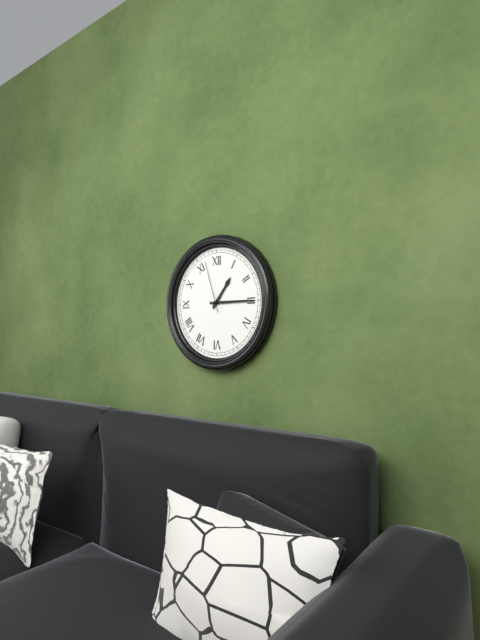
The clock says {"hour": 1, "minute": 15, "second": 57}
